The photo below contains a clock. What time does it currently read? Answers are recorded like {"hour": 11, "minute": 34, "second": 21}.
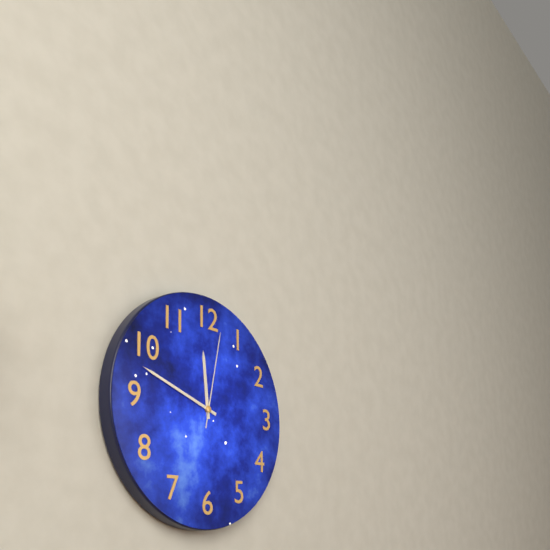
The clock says {"hour": 11, "minute": 48, "second": 2}
